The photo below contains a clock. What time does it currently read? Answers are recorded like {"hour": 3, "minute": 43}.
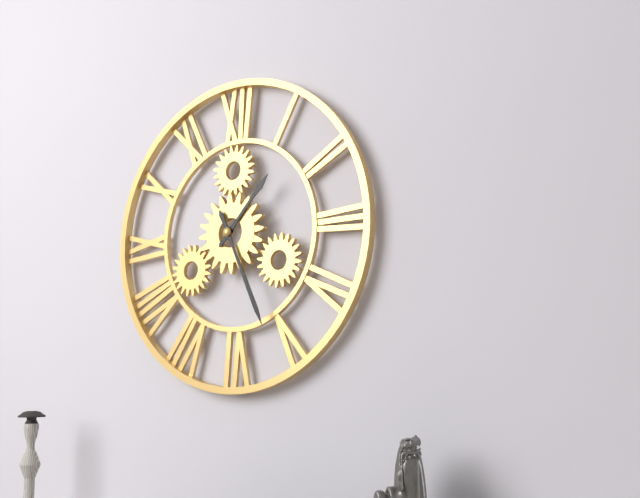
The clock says {"hour": 1, "minute": 26}
